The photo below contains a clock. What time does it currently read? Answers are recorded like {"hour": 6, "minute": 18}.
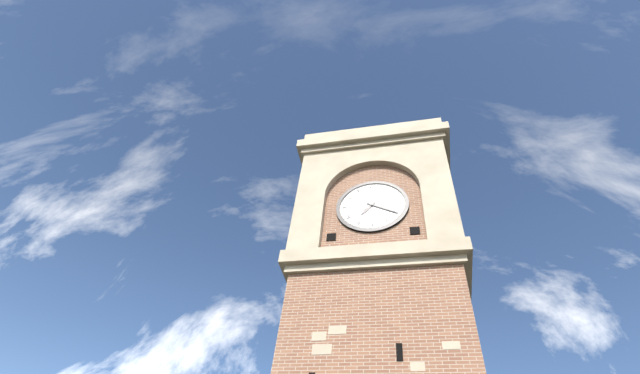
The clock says {"hour": 7, "minute": 20}
